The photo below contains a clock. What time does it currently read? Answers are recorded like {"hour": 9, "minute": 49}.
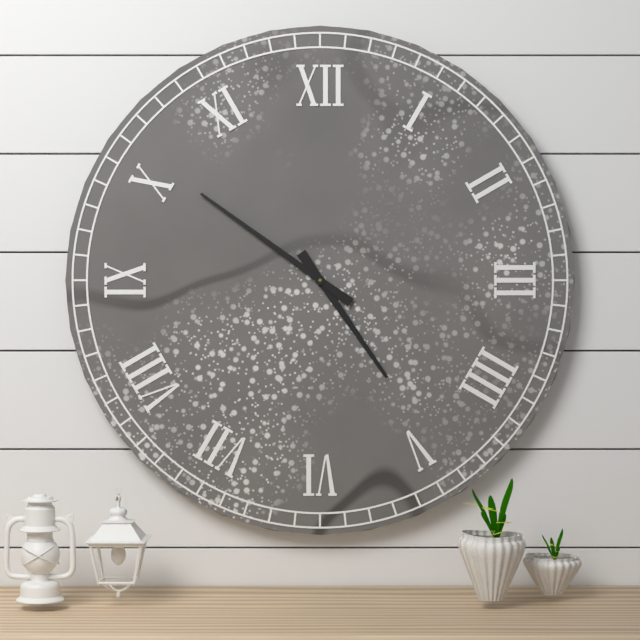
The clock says {"hour": 4, "minute": 51}
